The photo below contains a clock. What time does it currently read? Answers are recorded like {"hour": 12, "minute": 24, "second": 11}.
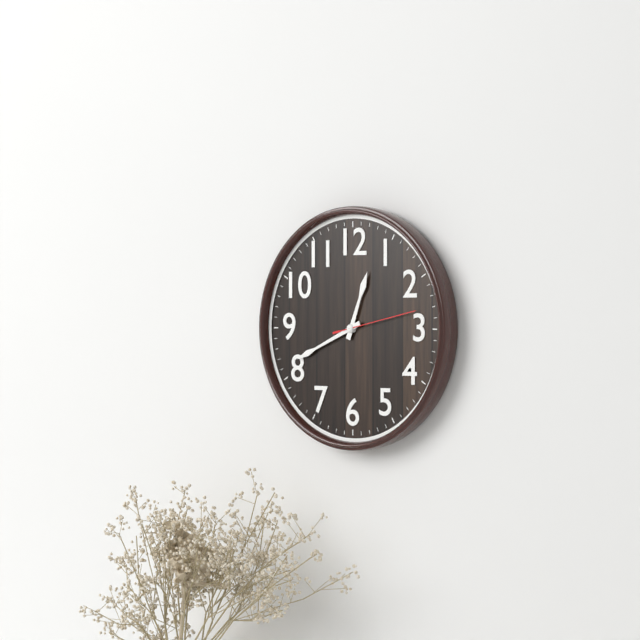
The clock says {"hour": 12, "minute": 41, "second": 13}
